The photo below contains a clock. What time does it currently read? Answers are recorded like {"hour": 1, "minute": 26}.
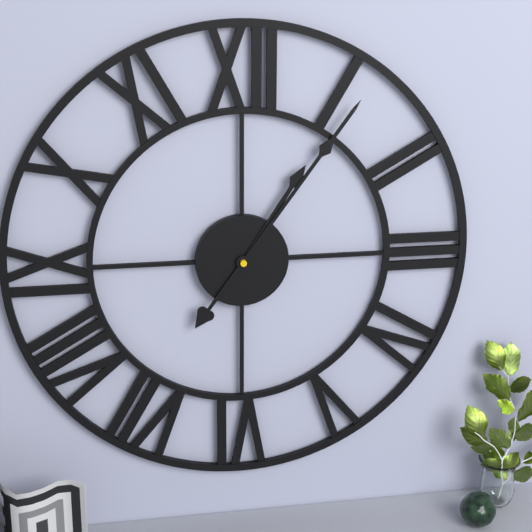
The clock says {"hour": 1, "minute": 6}
